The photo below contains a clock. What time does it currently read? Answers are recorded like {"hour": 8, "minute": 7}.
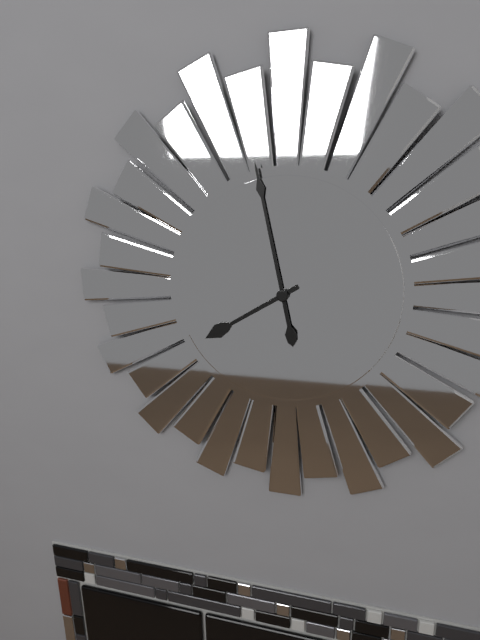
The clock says {"hour": 7, "minute": 58}
